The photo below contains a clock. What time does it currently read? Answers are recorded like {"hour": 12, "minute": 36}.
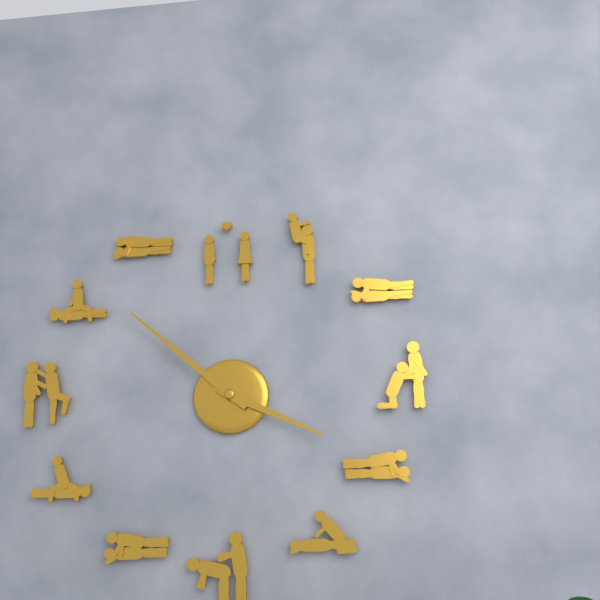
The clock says {"hour": 3, "minute": 52}
